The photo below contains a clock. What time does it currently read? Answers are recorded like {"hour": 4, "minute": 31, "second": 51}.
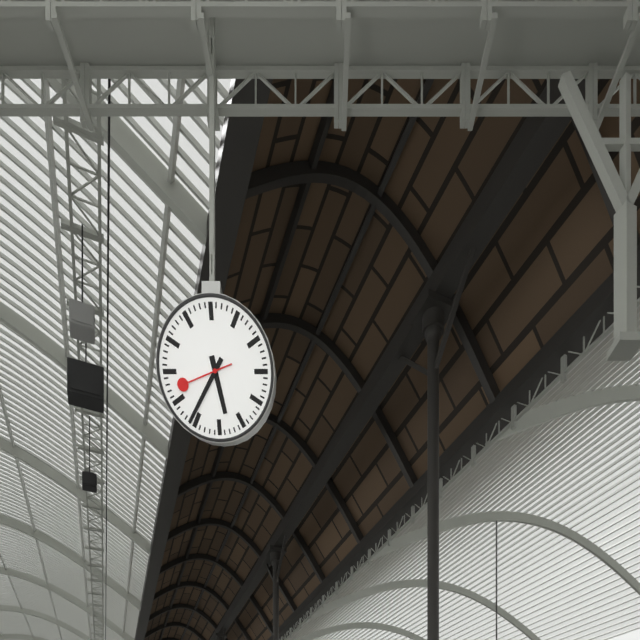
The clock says {"hour": 5, "minute": 36, "second": 42}
